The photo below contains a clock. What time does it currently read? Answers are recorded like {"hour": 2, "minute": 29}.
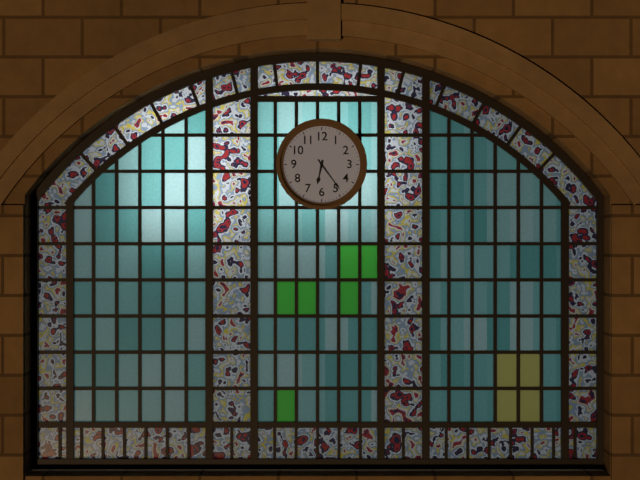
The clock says {"hour": 6, "minute": 24}
